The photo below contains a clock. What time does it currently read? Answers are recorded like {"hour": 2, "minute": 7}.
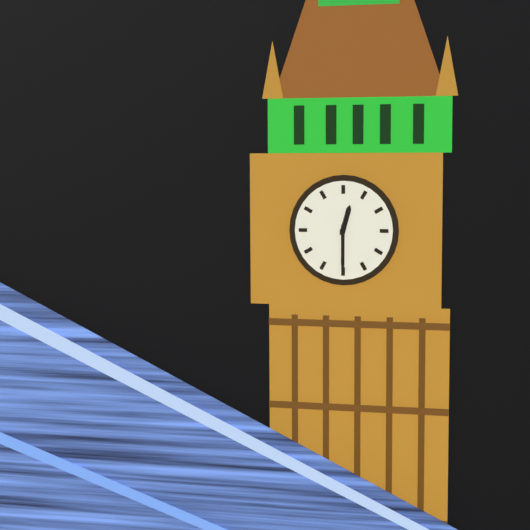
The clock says {"hour": 12, "minute": 30}
